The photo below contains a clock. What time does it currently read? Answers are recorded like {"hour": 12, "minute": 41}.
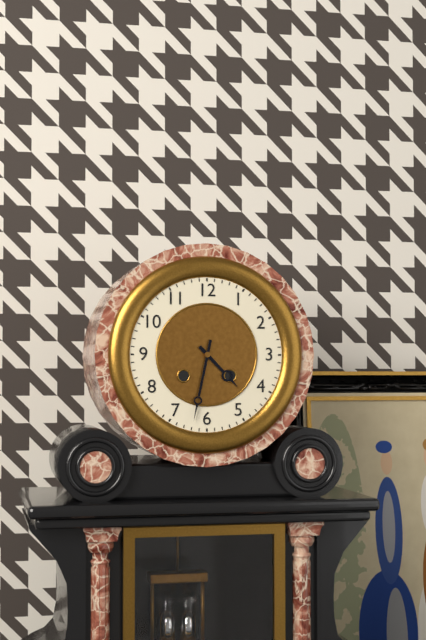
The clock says {"hour": 4, "minute": 32}
